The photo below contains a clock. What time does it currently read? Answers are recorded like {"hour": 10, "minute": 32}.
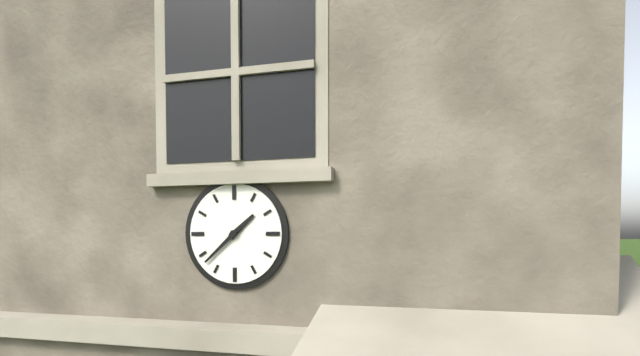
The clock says {"hour": 1, "minute": 38}
